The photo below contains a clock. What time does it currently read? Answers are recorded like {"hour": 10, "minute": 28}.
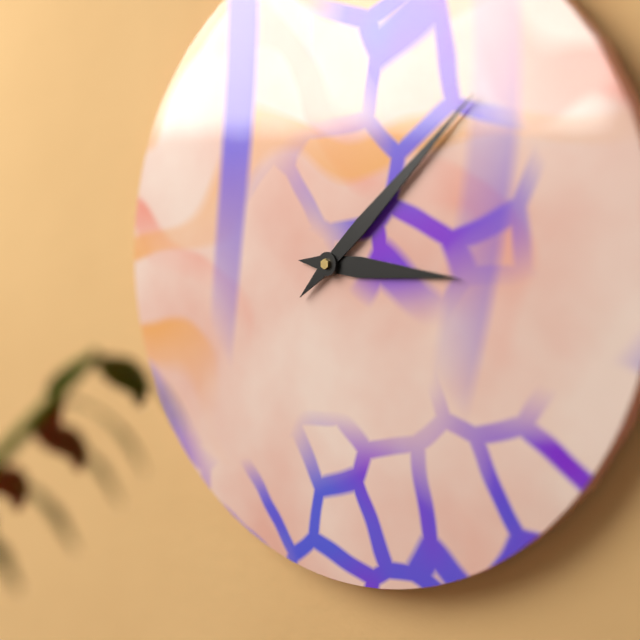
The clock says {"hour": 3, "minute": 8}
